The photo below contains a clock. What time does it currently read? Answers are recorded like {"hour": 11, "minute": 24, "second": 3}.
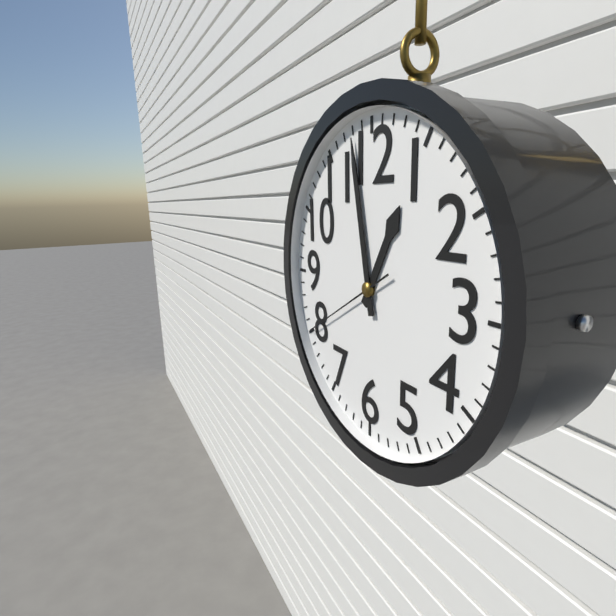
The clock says {"hour": 12, "minute": 58, "second": 40}
